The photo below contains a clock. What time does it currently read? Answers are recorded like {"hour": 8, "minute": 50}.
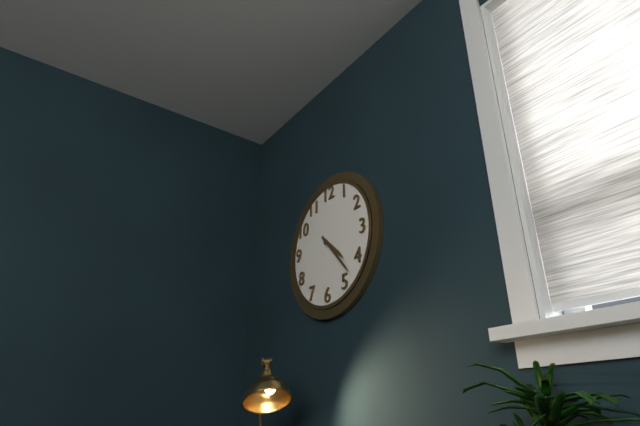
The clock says {"hour": 4, "minute": 23}
